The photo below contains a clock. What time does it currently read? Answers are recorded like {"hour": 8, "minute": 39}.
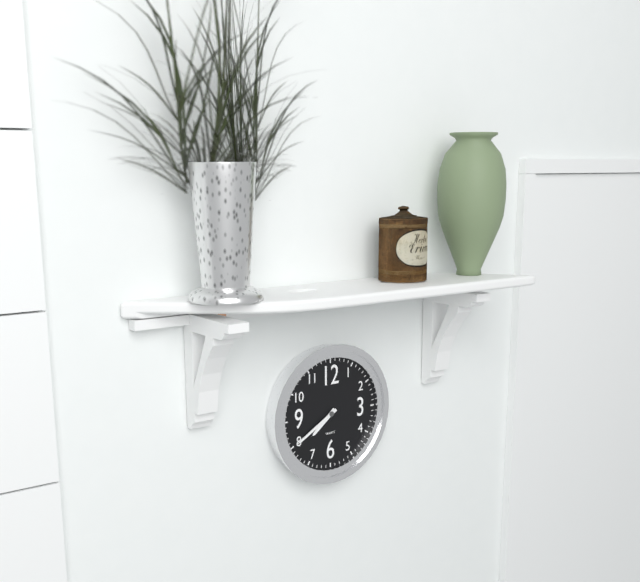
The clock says {"hour": 7, "minute": 40}
